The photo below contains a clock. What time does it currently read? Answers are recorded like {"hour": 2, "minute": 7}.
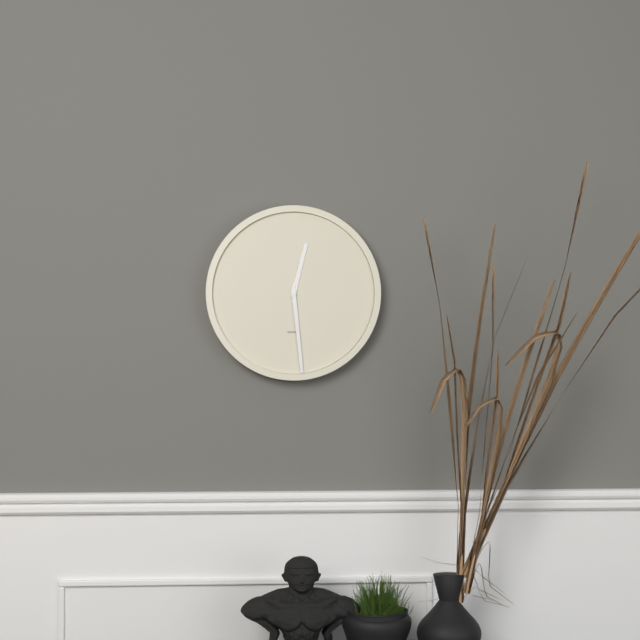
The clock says {"hour": 12, "minute": 29}
